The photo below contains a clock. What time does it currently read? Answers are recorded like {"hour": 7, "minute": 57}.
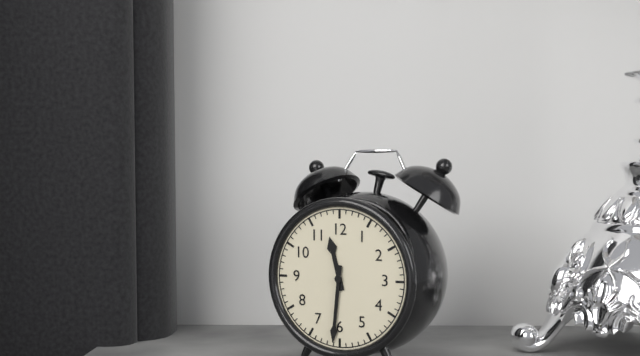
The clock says {"hour": 11, "minute": 31}
